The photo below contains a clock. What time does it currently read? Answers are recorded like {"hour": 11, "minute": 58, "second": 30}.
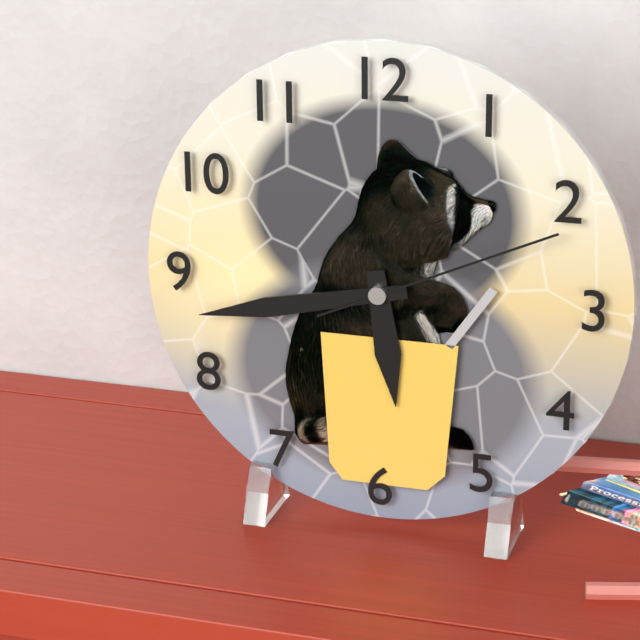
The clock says {"hour": 5, "minute": 43, "second": 11}
